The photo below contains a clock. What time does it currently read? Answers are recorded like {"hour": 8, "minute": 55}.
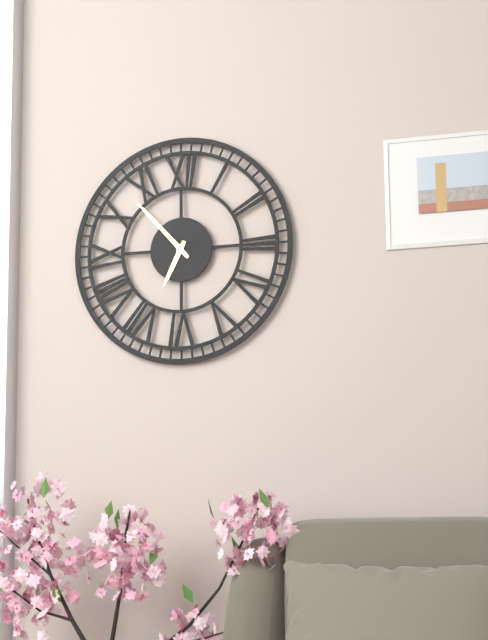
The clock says {"hour": 6, "minute": 53}
